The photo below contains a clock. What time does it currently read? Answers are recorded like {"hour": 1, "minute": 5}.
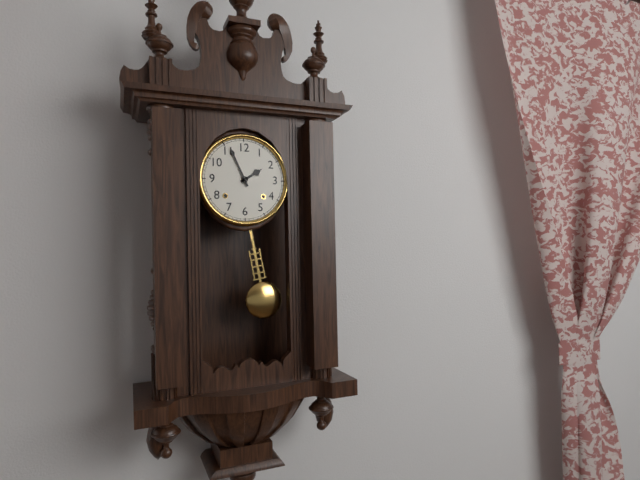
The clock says {"hour": 1, "minute": 56}
